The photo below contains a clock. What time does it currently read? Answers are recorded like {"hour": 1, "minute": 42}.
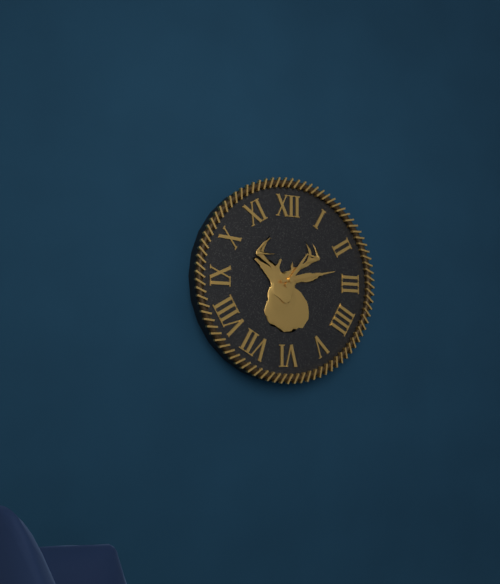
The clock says {"hour": 1, "minute": 13}
